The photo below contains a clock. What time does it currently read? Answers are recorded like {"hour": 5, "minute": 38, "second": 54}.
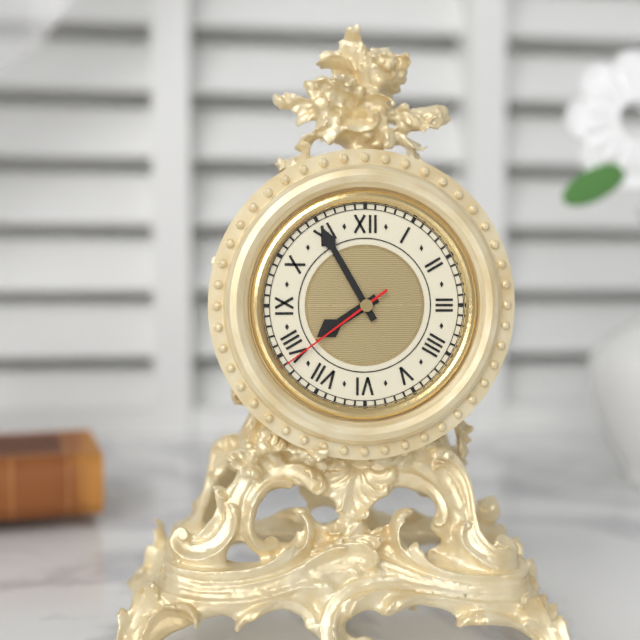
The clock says {"hour": 7, "minute": 55, "second": 39}
